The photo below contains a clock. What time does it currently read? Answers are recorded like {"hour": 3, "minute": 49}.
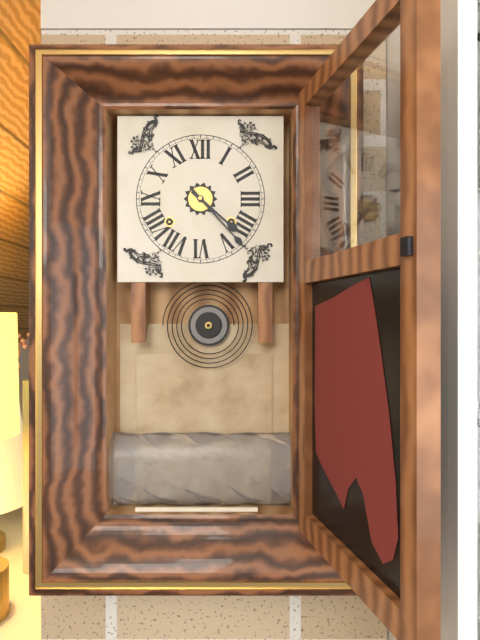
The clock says {"hour": 4, "minute": 23}
